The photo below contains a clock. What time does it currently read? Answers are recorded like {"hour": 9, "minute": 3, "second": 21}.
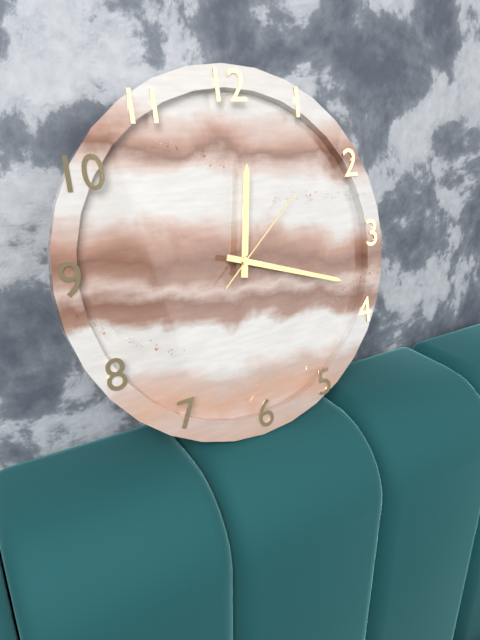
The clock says {"hour": 12, "minute": 18, "second": 8}
